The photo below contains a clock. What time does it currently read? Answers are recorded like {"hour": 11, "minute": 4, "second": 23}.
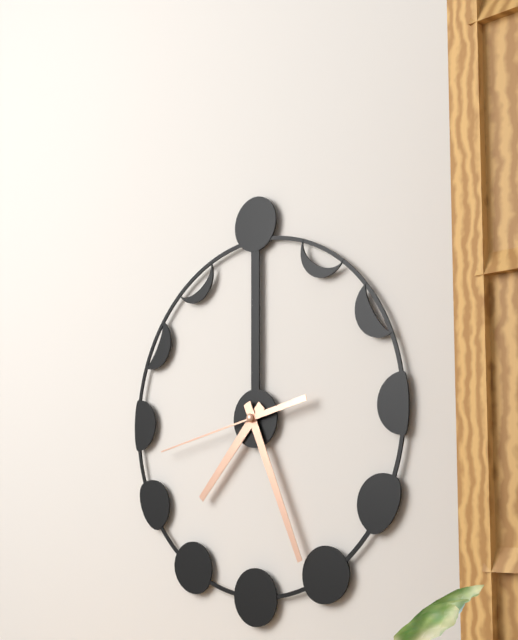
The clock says {"hour": 7, "minute": 26, "second": 43}
